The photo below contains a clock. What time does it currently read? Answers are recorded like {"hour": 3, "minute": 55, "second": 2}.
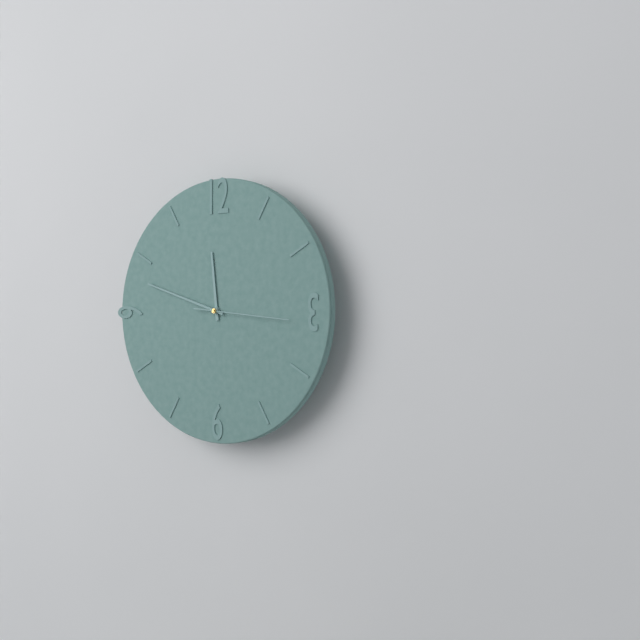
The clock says {"hour": 11, "minute": 48, "second": 16}
